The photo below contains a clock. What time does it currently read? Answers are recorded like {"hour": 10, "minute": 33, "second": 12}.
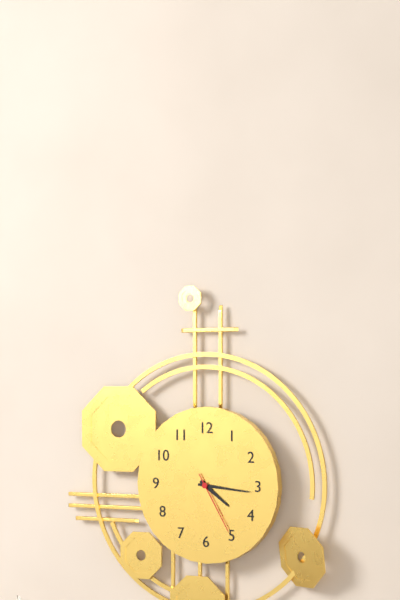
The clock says {"hour": 4, "minute": 16, "second": 25}
